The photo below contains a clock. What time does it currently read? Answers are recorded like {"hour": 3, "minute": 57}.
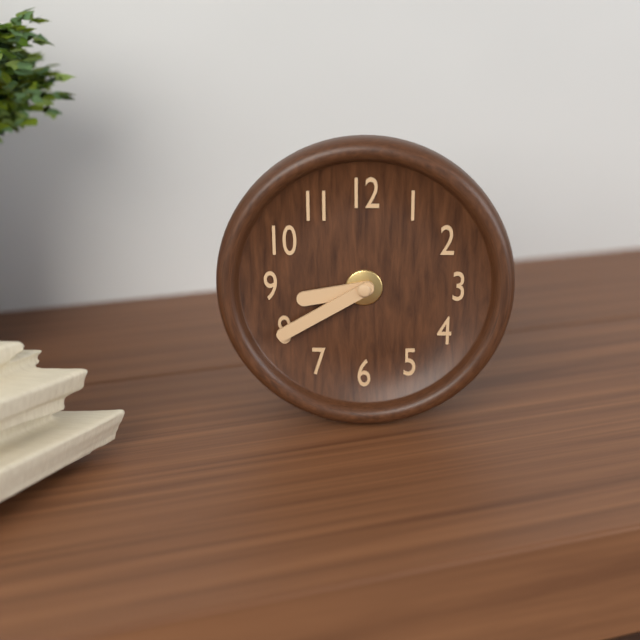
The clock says {"hour": 8, "minute": 40}
